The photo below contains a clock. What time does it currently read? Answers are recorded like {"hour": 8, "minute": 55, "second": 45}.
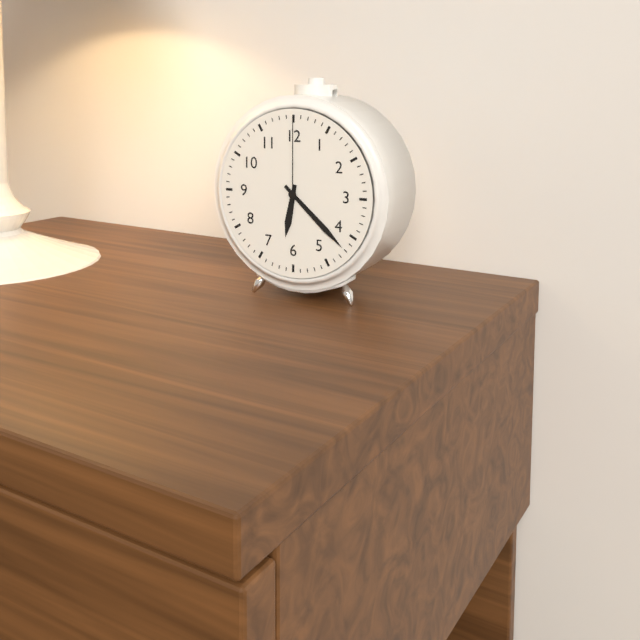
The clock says {"hour": 6, "minute": 22, "second": 0}
